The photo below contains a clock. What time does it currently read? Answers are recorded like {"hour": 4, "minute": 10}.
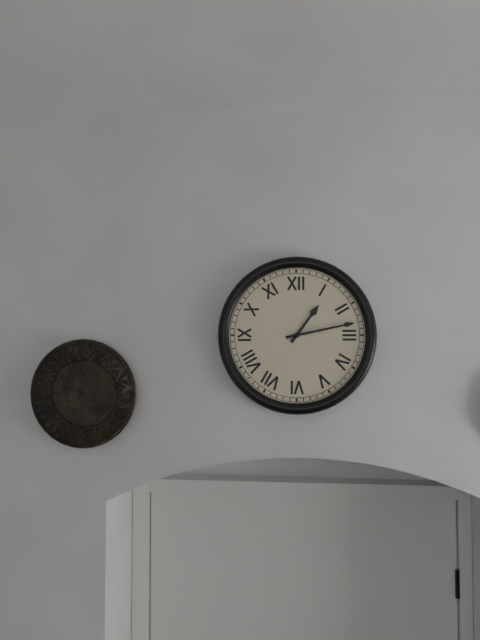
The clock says {"hour": 1, "minute": 13}
